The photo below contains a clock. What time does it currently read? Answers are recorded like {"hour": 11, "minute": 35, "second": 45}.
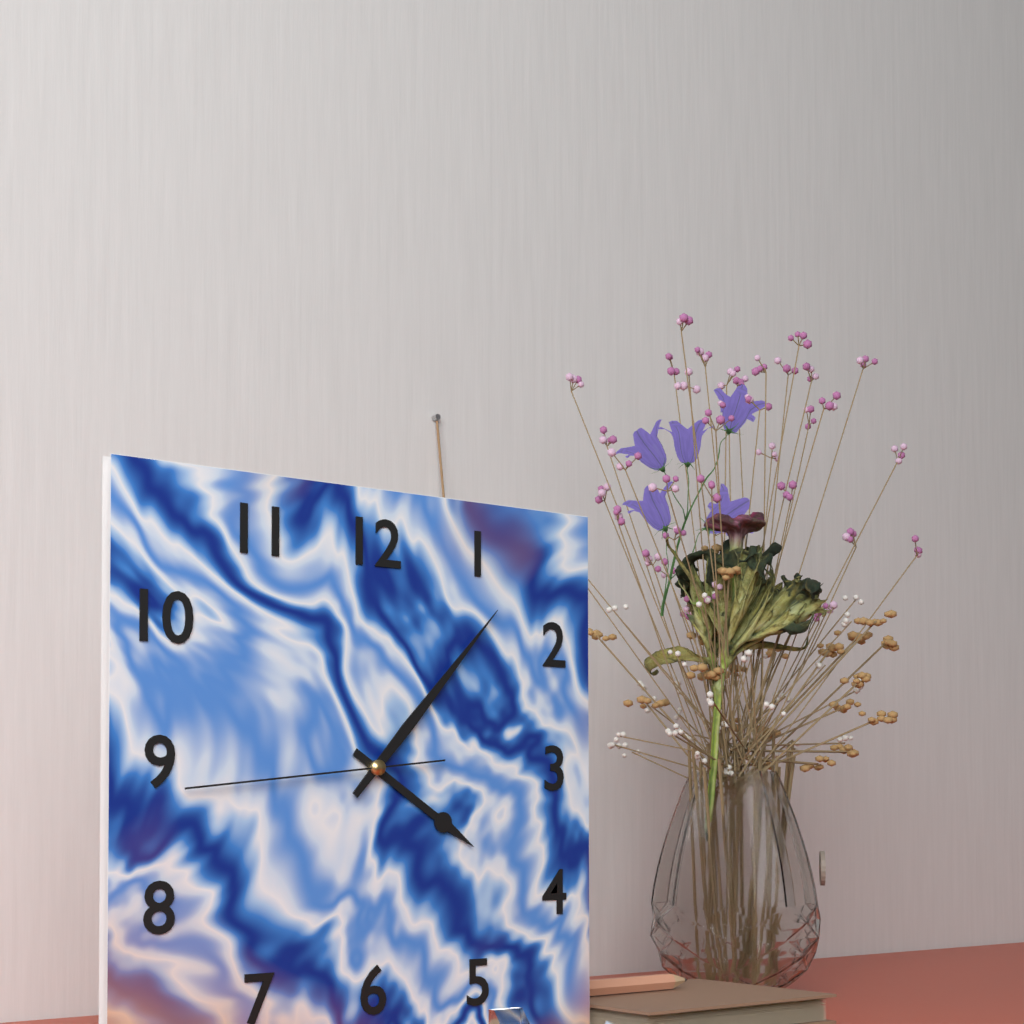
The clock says {"hour": 4, "minute": 7, "second": 44}
